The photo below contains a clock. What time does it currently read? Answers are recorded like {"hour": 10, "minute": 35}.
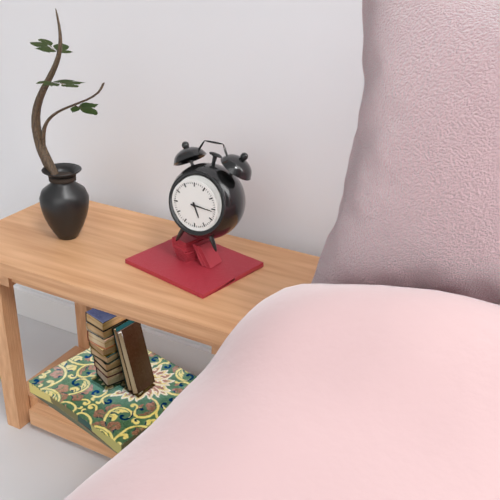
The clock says {"hour": 5, "minute": 16}
